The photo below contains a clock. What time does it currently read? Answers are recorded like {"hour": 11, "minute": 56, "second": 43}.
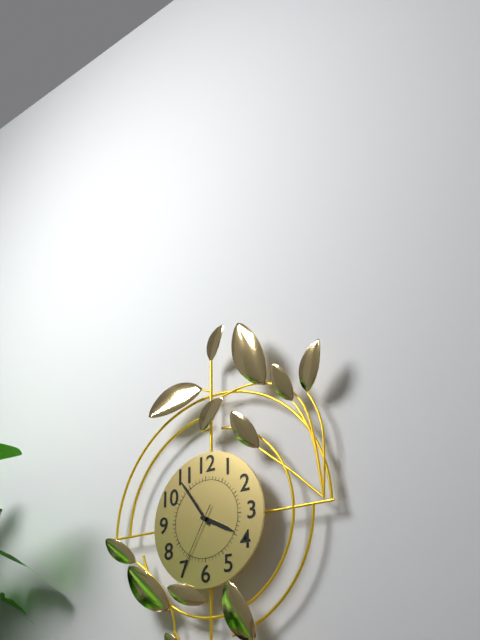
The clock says {"hour": 3, "minute": 54, "second": 35}
